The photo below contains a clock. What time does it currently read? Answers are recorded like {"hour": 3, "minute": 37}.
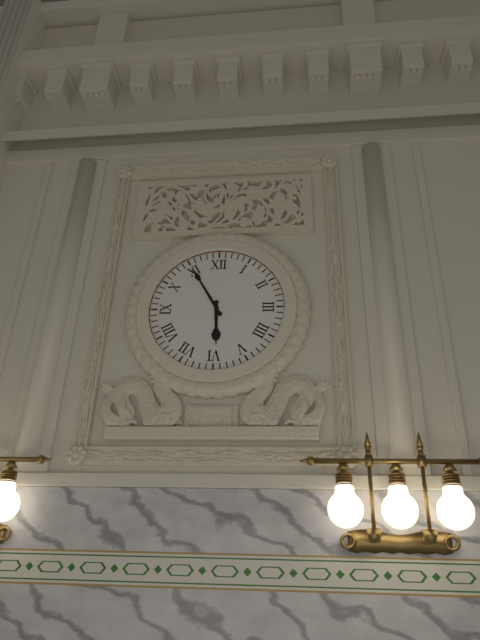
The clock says {"hour": 5, "minute": 55}
